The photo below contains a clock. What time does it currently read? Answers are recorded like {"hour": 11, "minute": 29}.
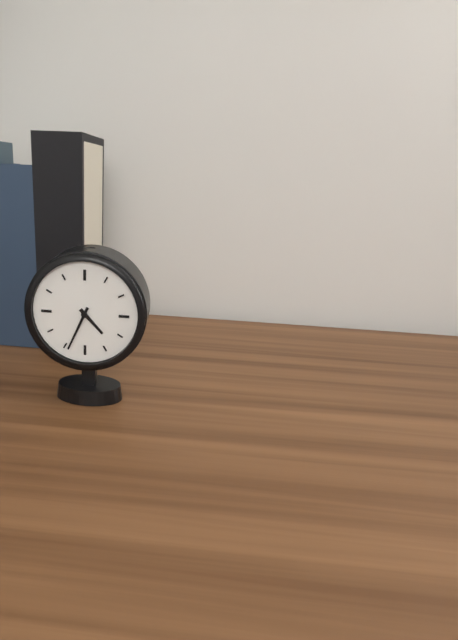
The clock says {"hour": 4, "minute": 34}
